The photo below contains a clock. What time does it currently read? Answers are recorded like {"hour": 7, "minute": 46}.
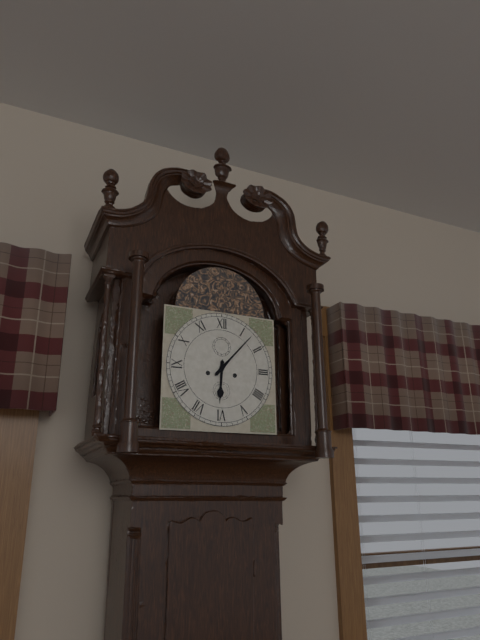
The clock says {"hour": 6, "minute": 7}
